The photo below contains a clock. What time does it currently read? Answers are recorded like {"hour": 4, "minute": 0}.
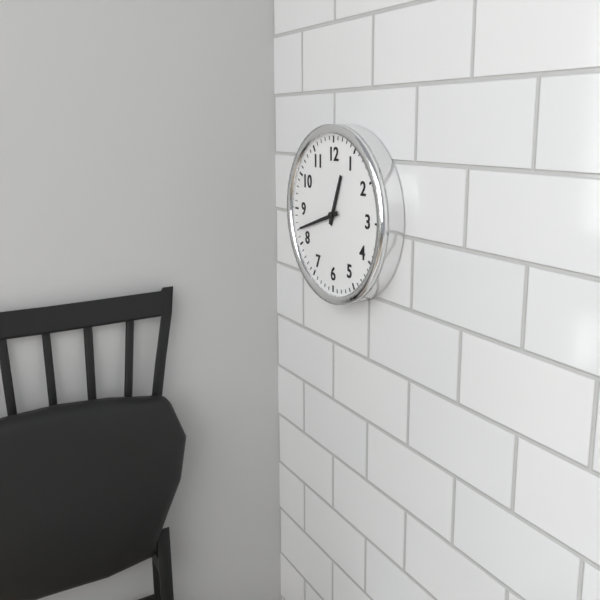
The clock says {"hour": 12, "minute": 42}
